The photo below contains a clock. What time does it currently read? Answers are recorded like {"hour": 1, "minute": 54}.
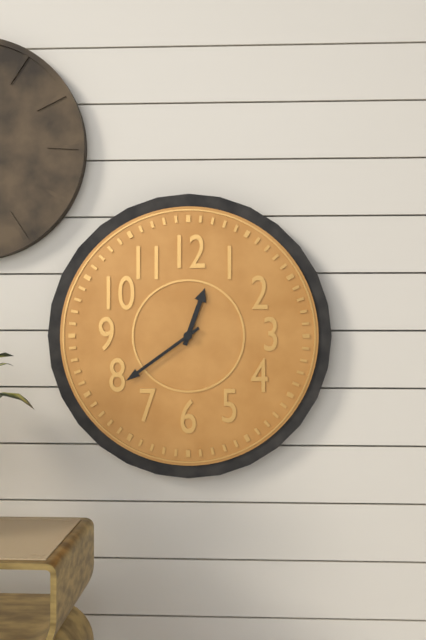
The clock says {"hour": 12, "minute": 39}
